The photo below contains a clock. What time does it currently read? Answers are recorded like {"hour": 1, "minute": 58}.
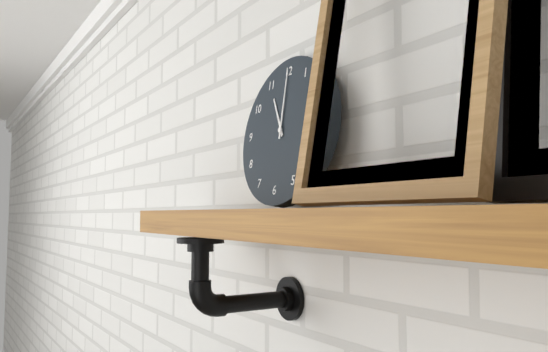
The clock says {"hour": 11, "minute": 0}
